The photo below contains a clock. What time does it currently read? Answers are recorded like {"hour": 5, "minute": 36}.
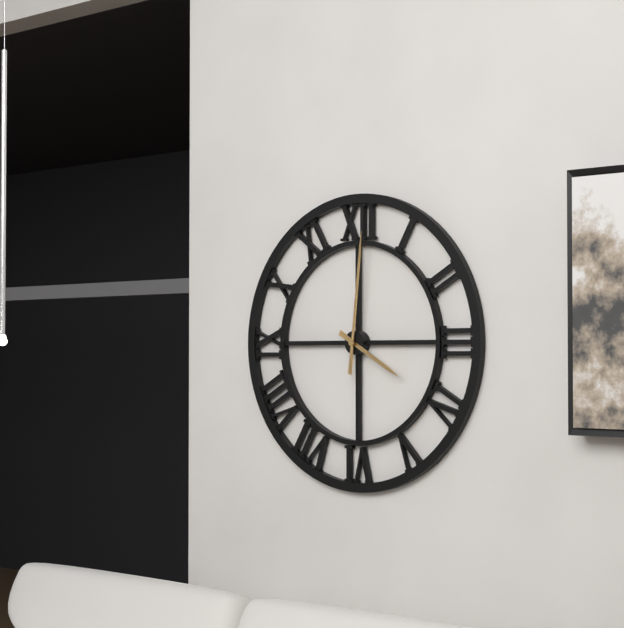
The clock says {"hour": 4, "minute": 1}
